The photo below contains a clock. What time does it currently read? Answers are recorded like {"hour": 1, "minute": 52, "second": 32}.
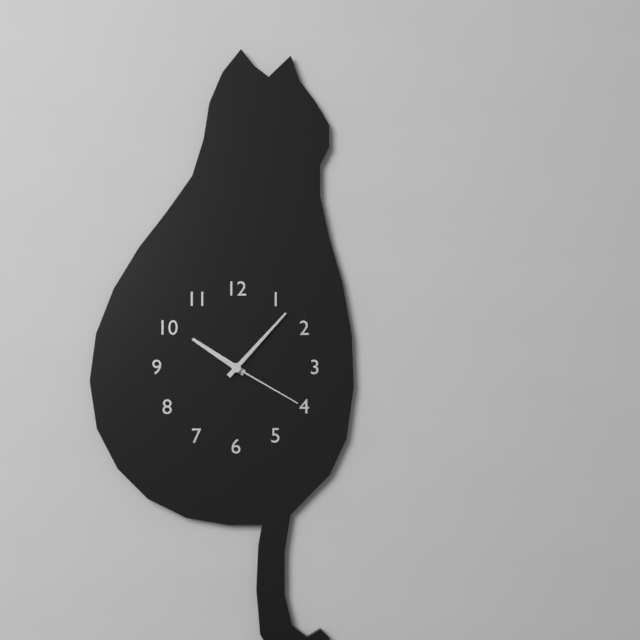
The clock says {"hour": 10, "minute": 7, "second": 20}
